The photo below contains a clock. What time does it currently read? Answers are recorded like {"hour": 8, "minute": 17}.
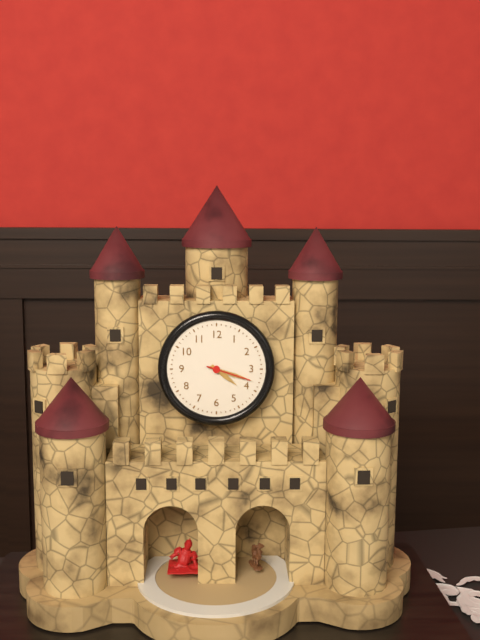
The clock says {"hour": 4, "minute": 18}
